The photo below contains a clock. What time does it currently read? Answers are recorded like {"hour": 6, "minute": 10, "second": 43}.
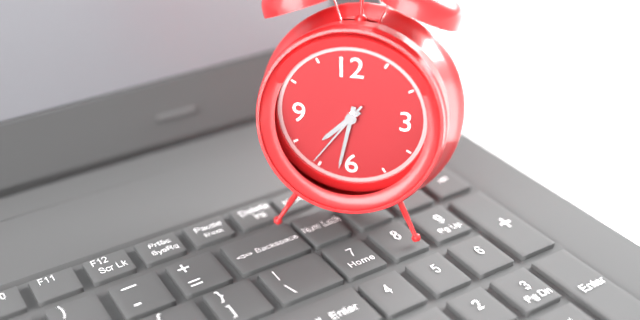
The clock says {"hour": 7, "minute": 32, "second": 36}
